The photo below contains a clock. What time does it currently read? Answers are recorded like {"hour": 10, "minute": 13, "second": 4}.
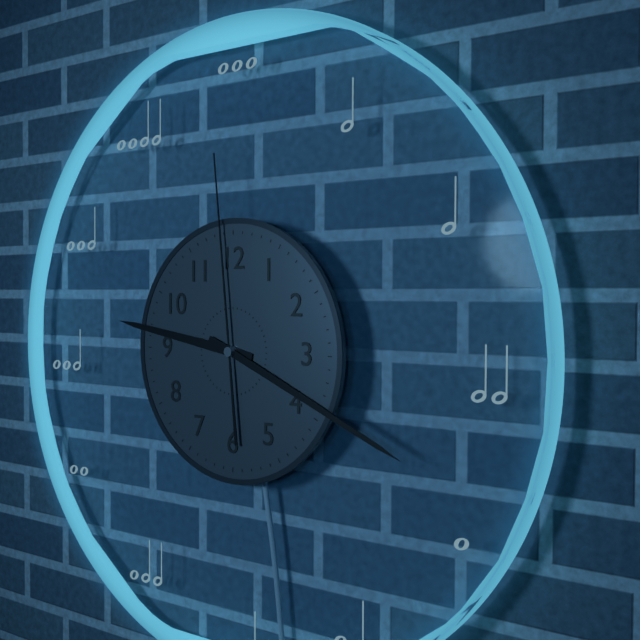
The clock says {"hour": 9, "minute": 19, "second": 59}
